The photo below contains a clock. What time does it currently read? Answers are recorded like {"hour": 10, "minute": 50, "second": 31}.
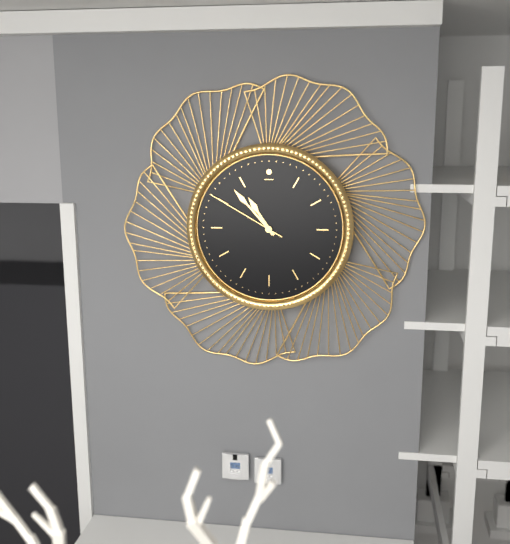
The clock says {"hour": 10, "minute": 53, "second": 50}
